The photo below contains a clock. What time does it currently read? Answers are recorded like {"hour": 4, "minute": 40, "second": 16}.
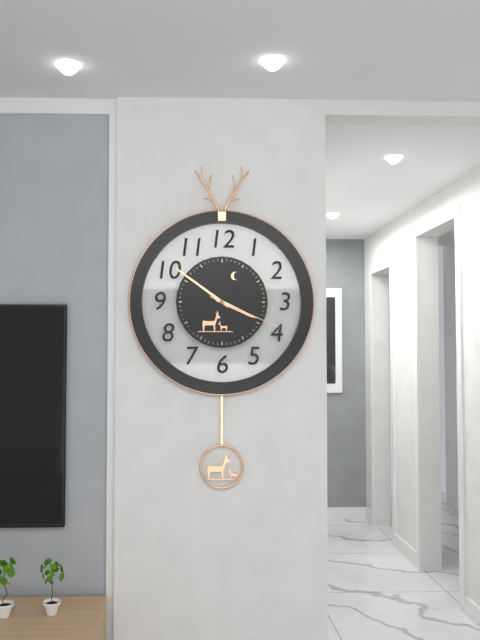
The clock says {"hour": 3, "minute": 51, "second": 19}
